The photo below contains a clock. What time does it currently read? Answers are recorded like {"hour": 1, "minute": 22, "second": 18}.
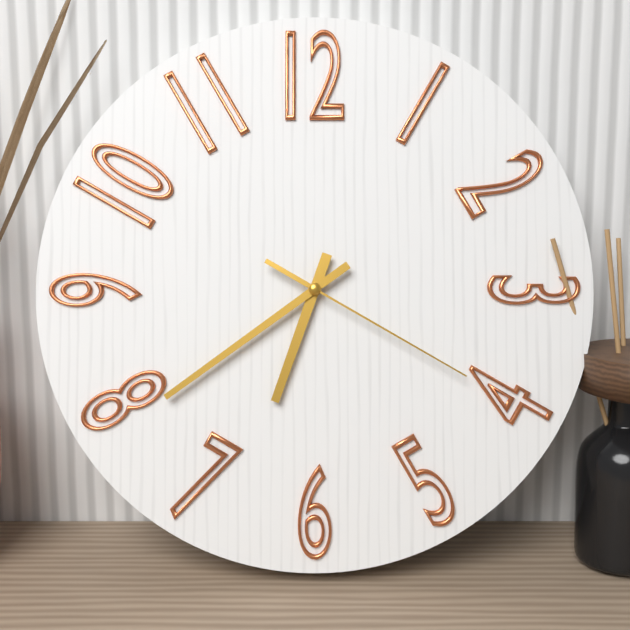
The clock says {"hour": 6, "minute": 39, "second": 20}
